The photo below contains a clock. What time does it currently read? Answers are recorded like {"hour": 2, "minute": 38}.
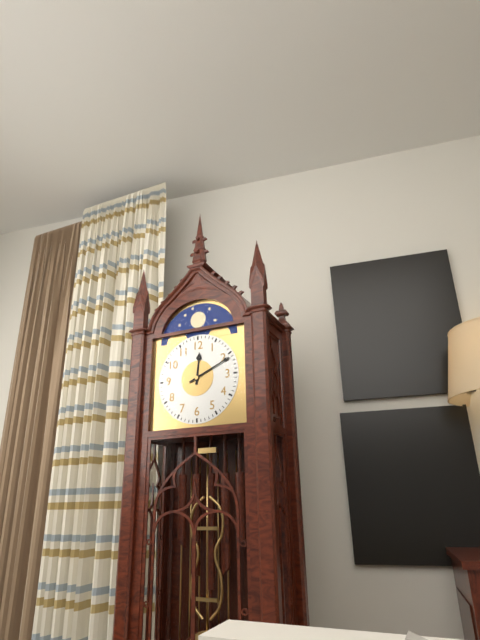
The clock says {"hour": 12, "minute": 11}
